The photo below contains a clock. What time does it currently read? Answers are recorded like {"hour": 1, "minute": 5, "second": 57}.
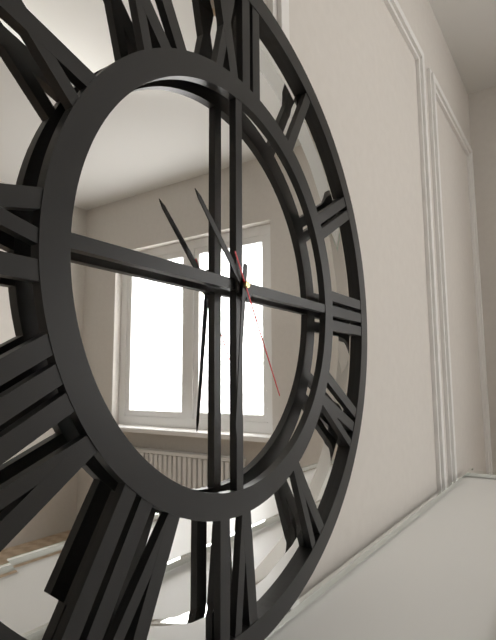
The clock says {"hour": 10, "minute": 31, "second": 25}
